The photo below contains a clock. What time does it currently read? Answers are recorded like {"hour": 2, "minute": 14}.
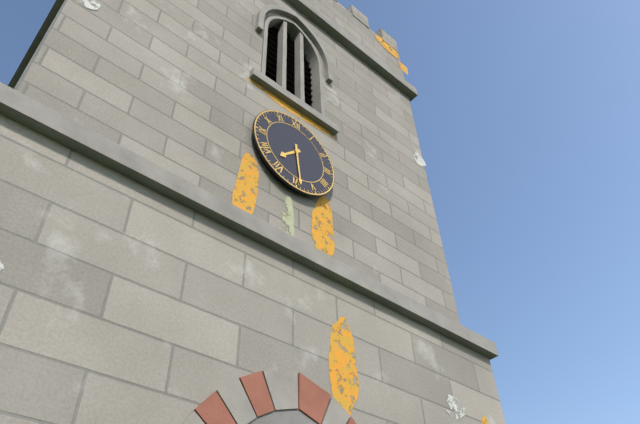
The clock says {"hour": 7, "minute": 29}
